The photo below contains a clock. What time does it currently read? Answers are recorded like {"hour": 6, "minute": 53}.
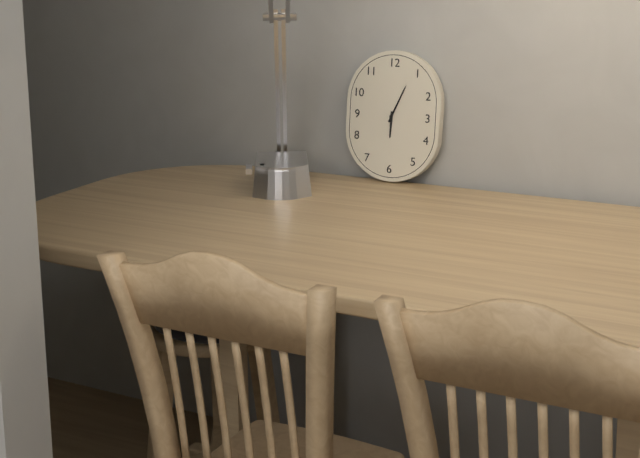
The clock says {"hour": 6, "minute": 4}
